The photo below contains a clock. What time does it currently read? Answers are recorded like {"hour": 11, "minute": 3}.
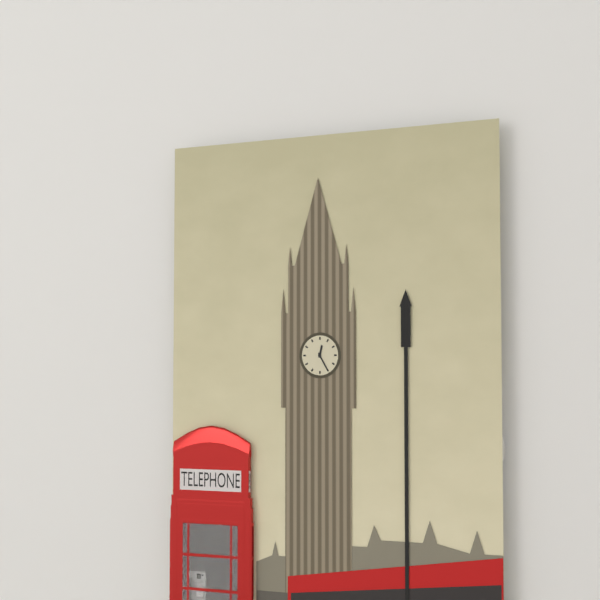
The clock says {"hour": 12, "minute": 25}
